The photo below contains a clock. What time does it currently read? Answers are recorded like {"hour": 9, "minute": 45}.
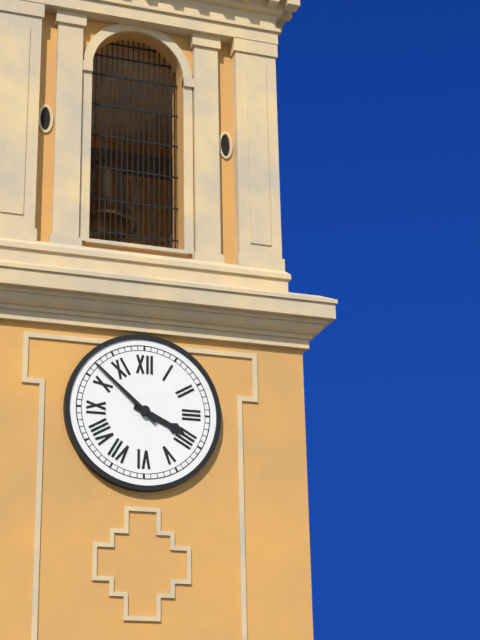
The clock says {"hour": 3, "minute": 52}
